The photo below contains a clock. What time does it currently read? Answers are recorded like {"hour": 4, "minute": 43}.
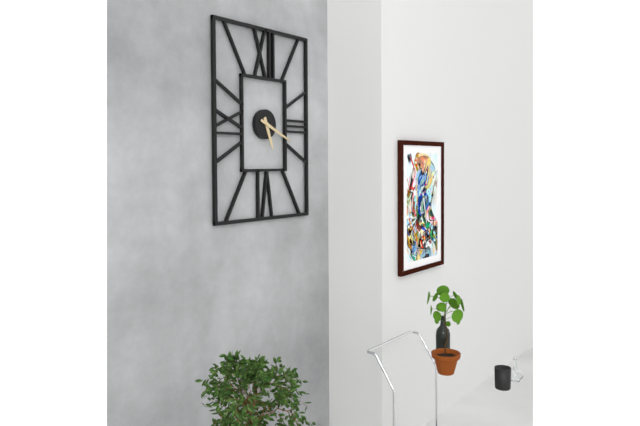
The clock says {"hour": 5, "minute": 19}
